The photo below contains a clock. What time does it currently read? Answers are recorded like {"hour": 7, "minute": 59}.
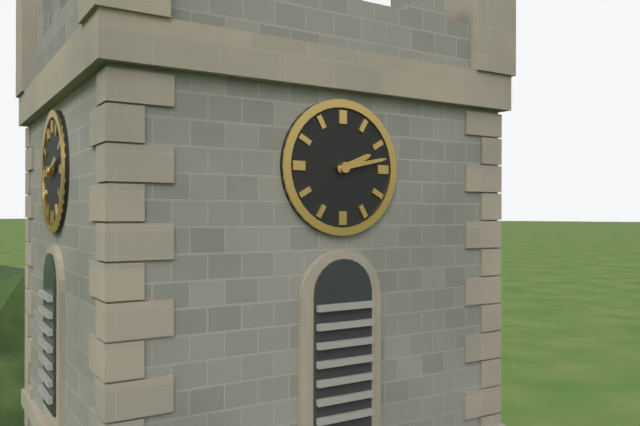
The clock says {"hour": 2, "minute": 13}
